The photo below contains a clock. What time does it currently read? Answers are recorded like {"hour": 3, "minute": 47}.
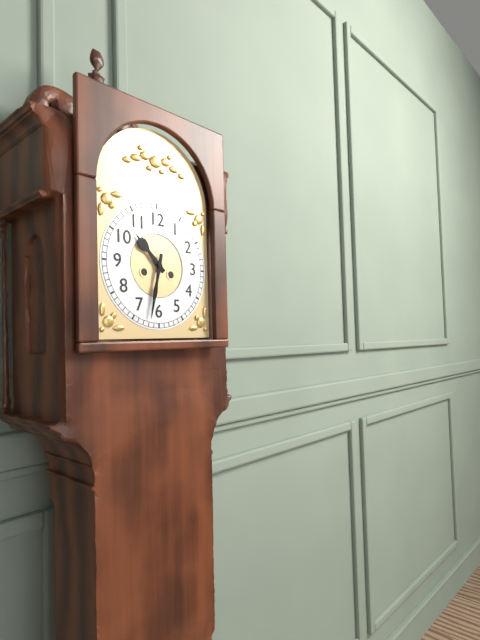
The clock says {"hour": 10, "minute": 32}
